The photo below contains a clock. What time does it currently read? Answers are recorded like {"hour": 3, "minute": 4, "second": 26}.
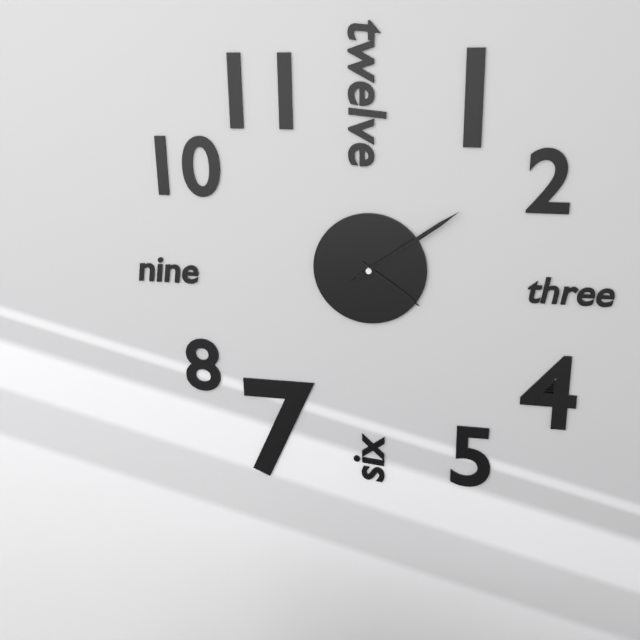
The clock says {"hour": 4, "minute": 9, "second": 9}
